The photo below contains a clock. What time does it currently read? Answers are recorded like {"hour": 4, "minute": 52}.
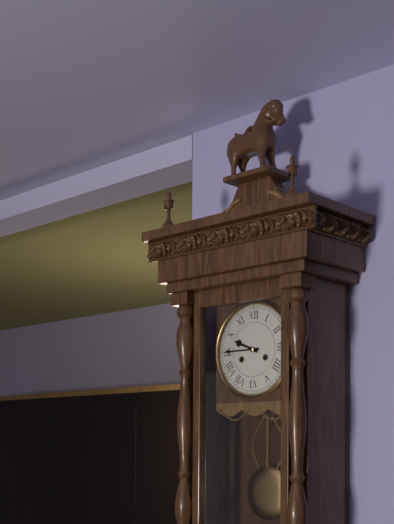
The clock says {"hour": 9, "minute": 45}
